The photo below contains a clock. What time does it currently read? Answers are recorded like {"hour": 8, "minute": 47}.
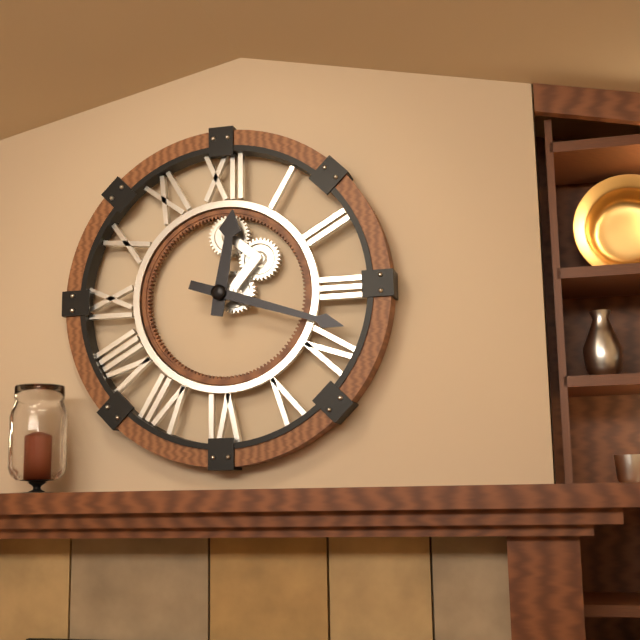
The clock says {"hour": 12, "minute": 18}
